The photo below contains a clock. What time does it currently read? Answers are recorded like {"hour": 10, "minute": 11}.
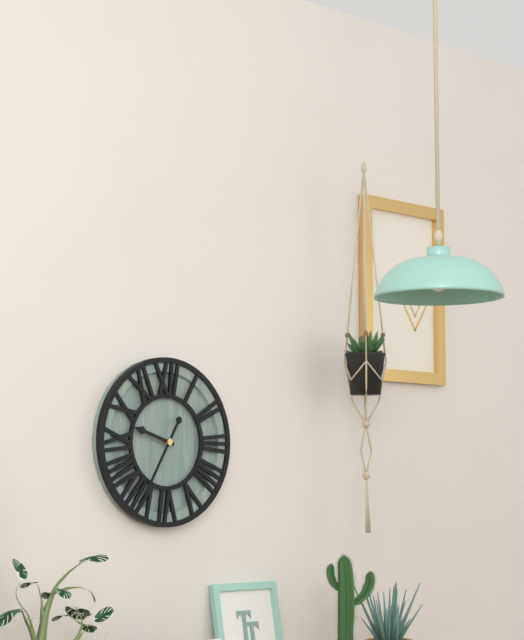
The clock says {"hour": 9, "minute": 35}
